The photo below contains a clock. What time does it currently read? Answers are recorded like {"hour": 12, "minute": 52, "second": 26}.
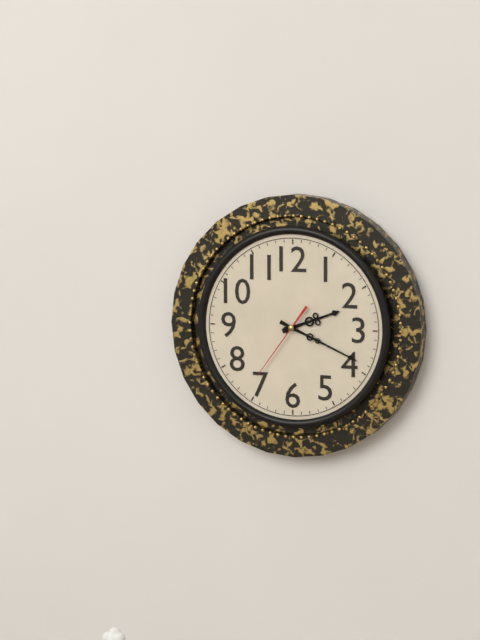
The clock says {"hour": 2, "minute": 19, "second": 36}
